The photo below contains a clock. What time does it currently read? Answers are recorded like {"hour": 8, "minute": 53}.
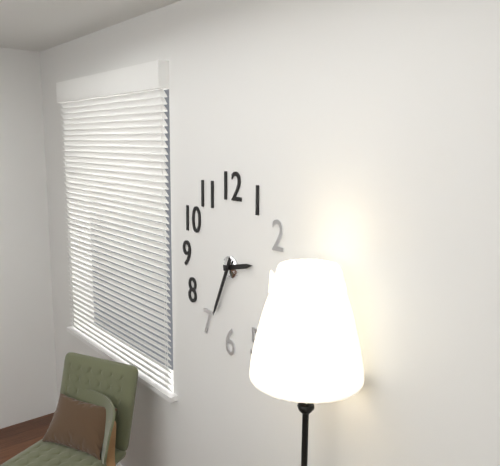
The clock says {"hour": 2, "minute": 34}
